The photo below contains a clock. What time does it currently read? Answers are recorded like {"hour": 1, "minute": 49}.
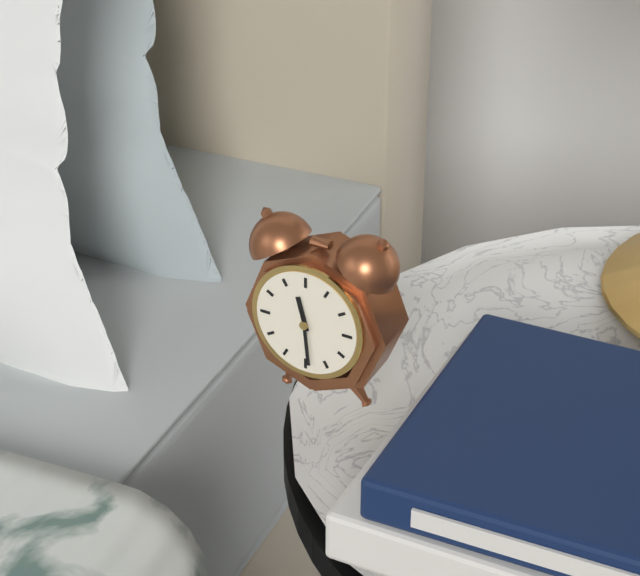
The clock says {"hour": 11, "minute": 29}
